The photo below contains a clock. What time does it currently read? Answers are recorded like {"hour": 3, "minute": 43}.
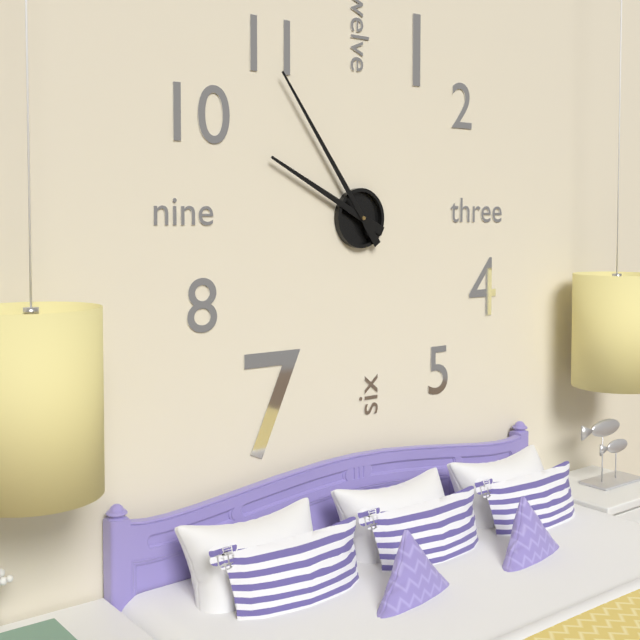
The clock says {"hour": 9, "minute": 54}
